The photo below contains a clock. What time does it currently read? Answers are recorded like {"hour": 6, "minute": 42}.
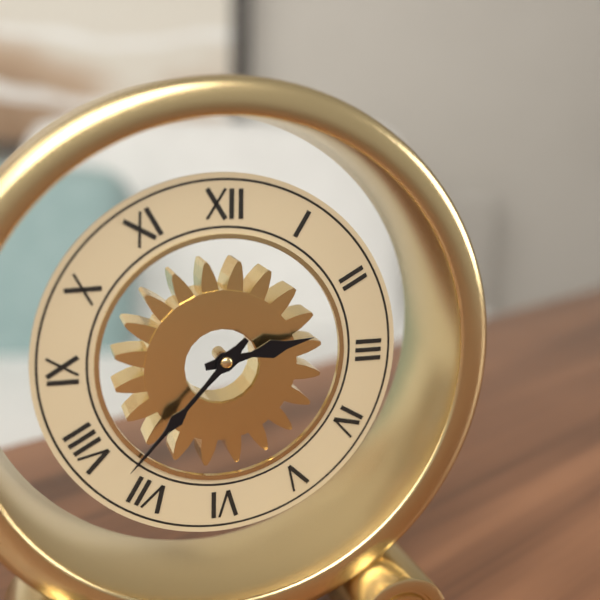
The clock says {"hour": 2, "minute": 37}
